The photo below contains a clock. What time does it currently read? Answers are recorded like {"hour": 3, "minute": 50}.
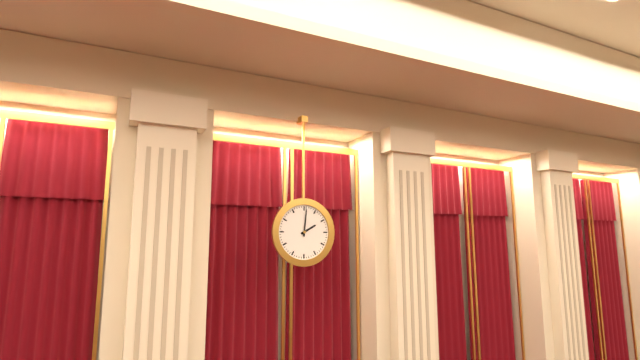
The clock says {"hour": 2, "minute": 1}
